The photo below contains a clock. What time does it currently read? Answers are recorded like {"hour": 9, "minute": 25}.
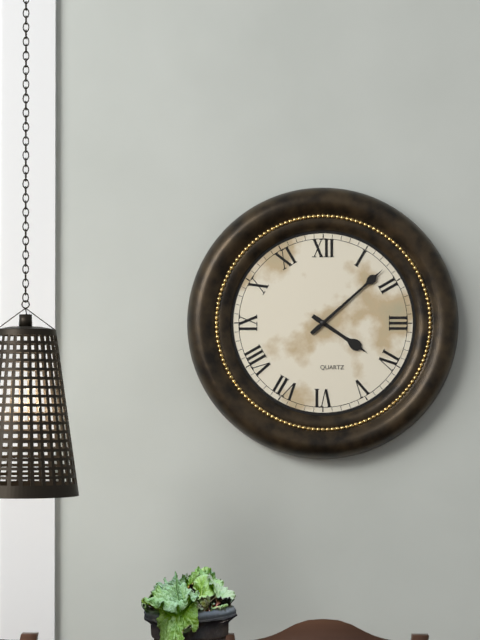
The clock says {"hour": 4, "minute": 8}
